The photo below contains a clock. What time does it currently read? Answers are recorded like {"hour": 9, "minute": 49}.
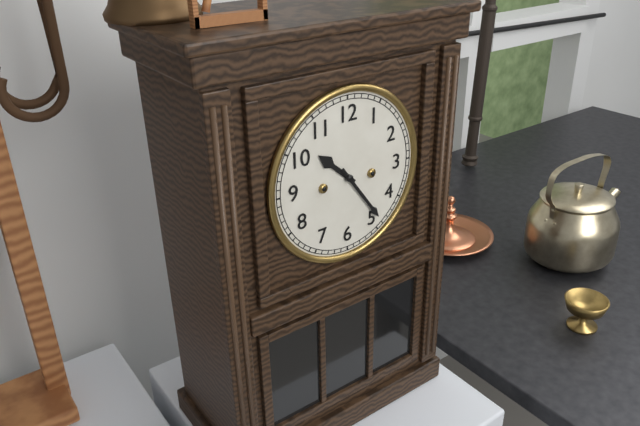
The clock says {"hour": 10, "minute": 24}
